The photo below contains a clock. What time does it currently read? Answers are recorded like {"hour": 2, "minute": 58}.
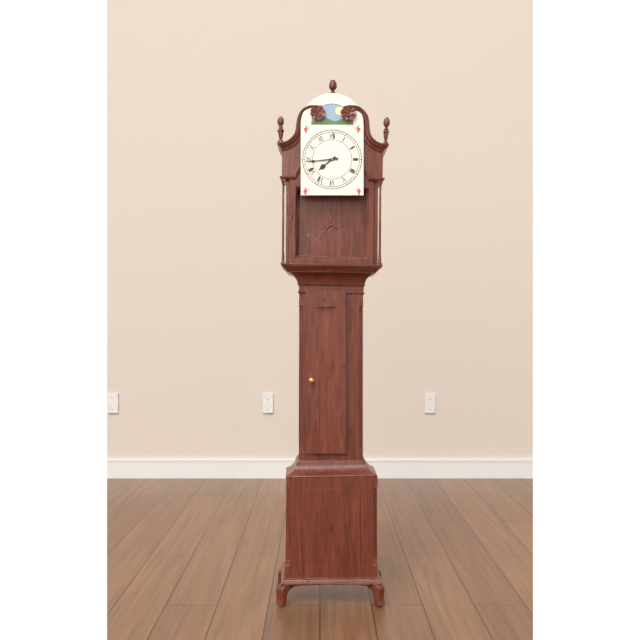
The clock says {"hour": 7, "minute": 44}
